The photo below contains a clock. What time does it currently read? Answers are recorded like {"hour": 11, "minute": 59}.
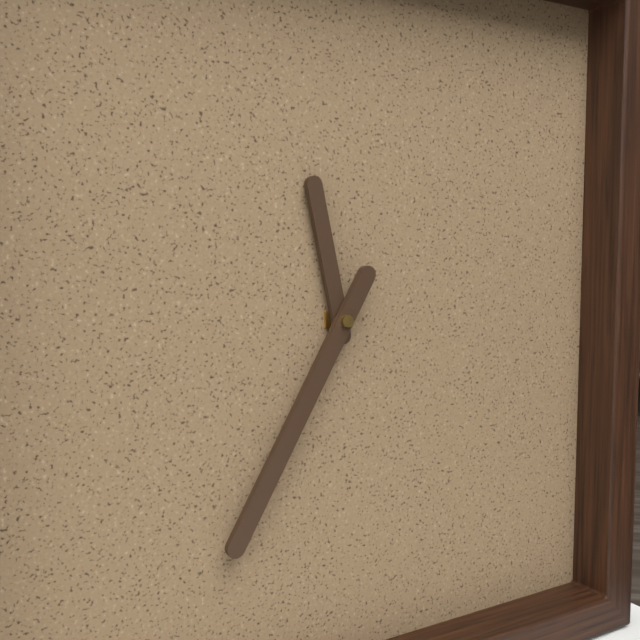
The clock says {"hour": 11, "minute": 35}
